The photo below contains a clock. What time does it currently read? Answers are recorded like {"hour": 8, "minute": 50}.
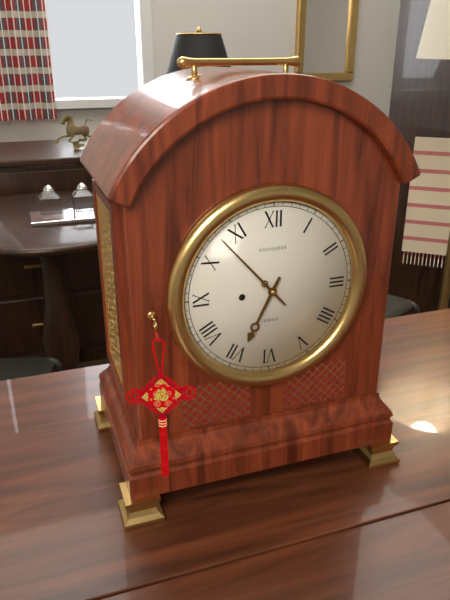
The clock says {"hour": 6, "minute": 53}
